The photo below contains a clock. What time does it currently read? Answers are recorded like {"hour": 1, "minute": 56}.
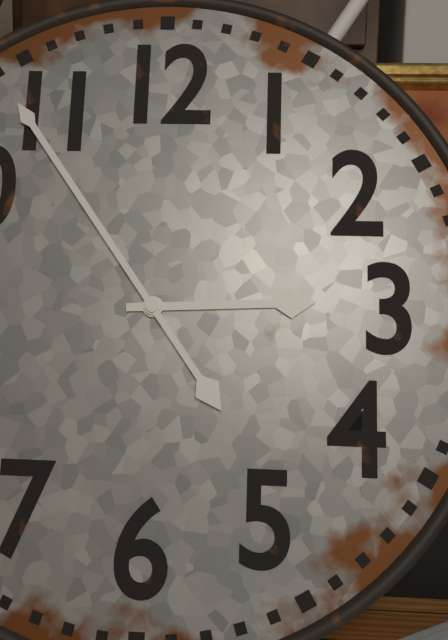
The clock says {"hour": 2, "minute": 54}
